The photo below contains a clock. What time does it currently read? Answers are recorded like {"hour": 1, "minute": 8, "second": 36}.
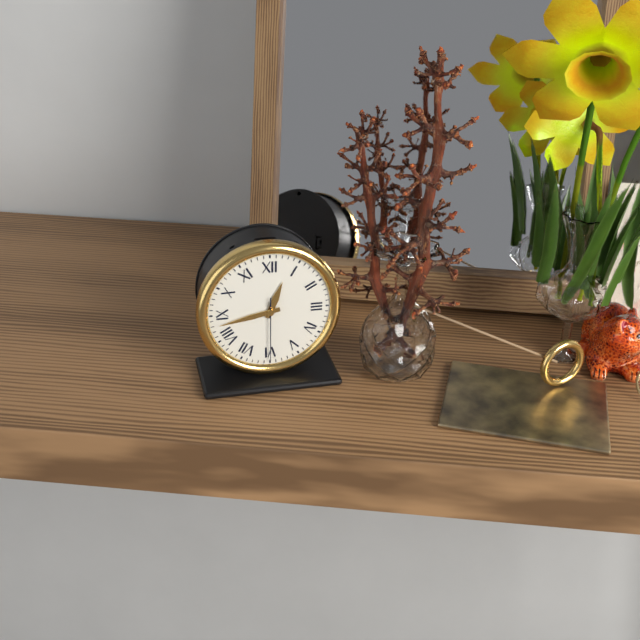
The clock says {"hour": 12, "minute": 43, "second": 30}
